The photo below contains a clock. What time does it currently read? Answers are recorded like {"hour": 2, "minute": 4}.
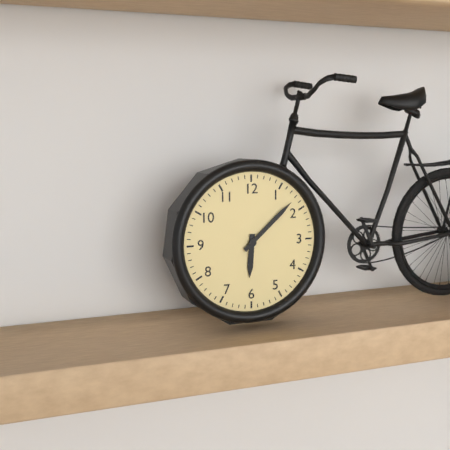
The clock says {"hour": 6, "minute": 8}
